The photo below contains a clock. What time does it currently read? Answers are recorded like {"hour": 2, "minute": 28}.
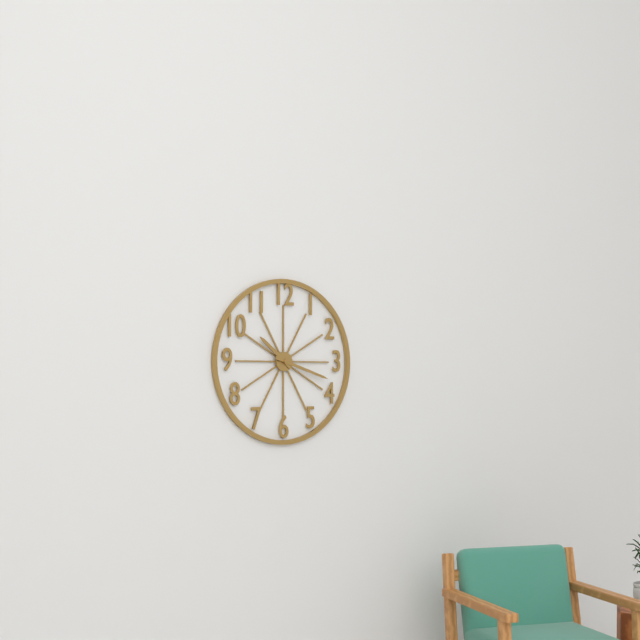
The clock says {"hour": 10, "minute": 18}
